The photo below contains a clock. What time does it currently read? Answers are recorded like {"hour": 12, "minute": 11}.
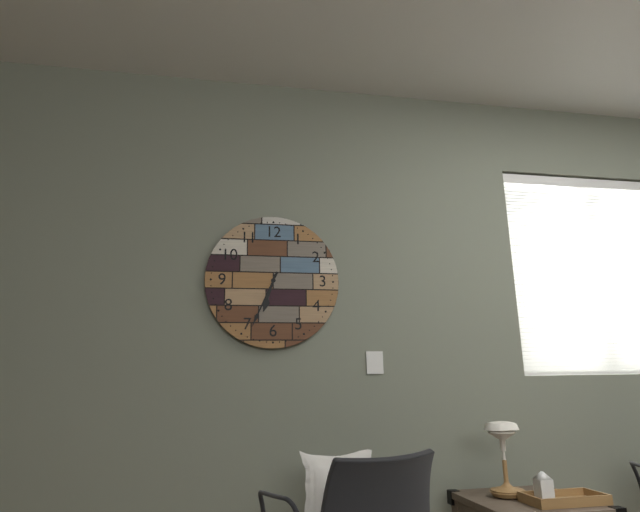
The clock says {"hour": 6, "minute": 34}
